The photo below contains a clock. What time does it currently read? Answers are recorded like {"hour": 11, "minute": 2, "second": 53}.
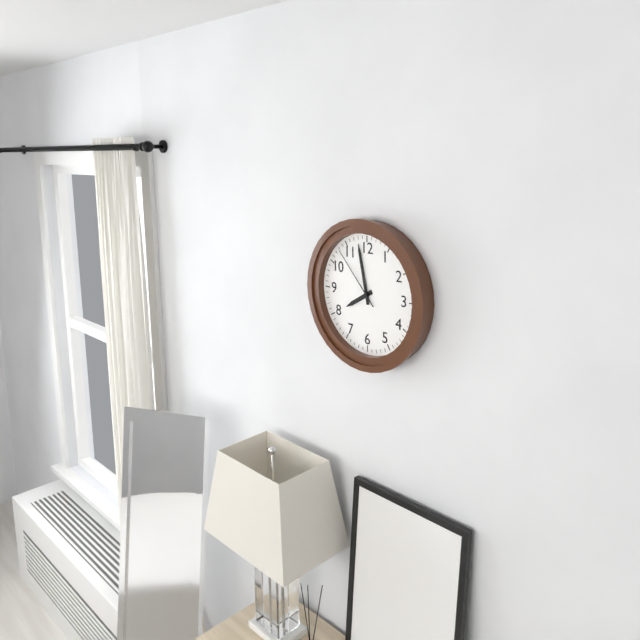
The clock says {"hour": 7, "minute": 58, "second": 53}
